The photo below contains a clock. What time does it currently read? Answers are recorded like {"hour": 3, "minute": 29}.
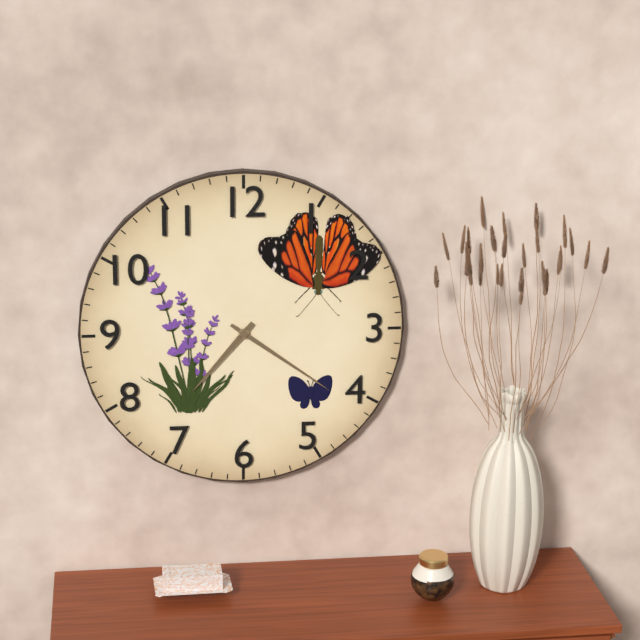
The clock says {"hour": 7, "minute": 21}
